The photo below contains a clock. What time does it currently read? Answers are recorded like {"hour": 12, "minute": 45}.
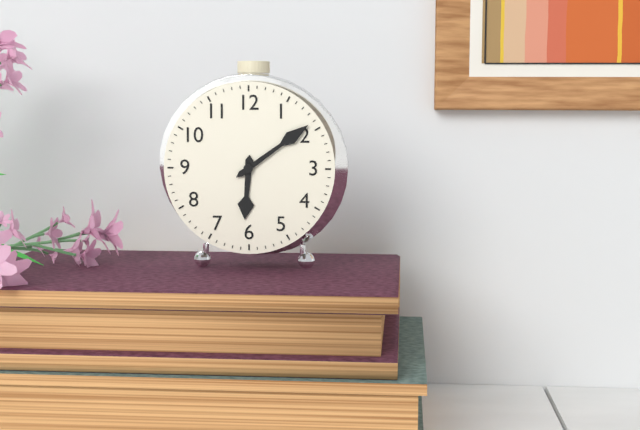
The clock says {"hour": 6, "minute": 9}
